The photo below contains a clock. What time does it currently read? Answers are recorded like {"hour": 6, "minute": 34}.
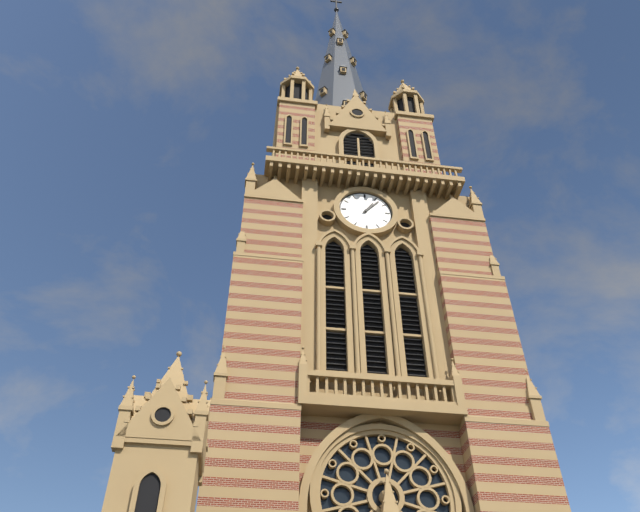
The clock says {"hour": 1, "minute": 7}
